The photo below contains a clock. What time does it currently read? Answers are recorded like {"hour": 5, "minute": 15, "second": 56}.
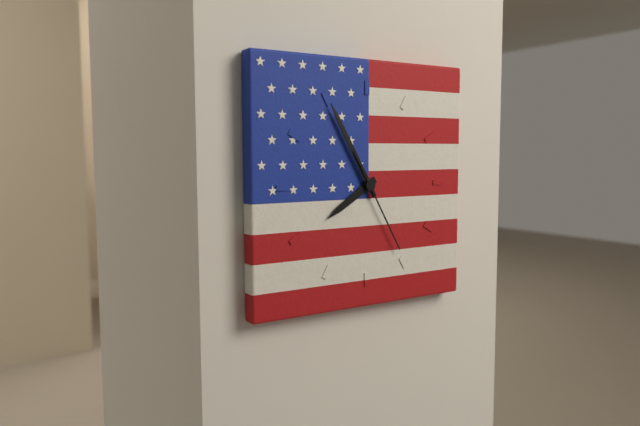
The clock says {"hour": 7, "minute": 55, "second": 25}
